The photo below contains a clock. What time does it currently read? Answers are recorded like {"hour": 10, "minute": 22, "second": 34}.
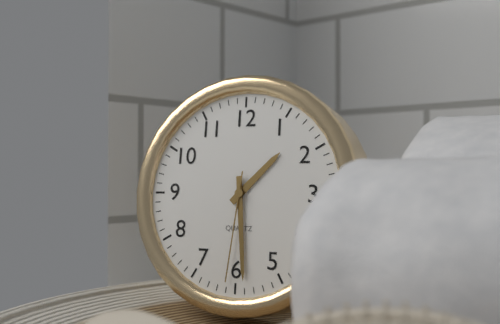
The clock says {"hour": 1, "minute": 29, "second": 31}
